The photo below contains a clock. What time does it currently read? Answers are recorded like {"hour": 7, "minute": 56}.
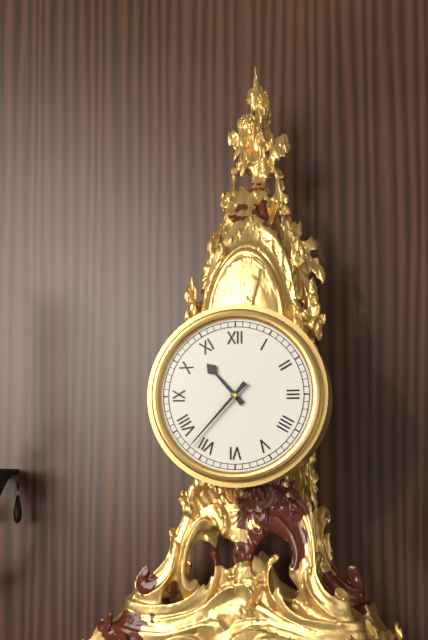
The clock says {"hour": 10, "minute": 37}
